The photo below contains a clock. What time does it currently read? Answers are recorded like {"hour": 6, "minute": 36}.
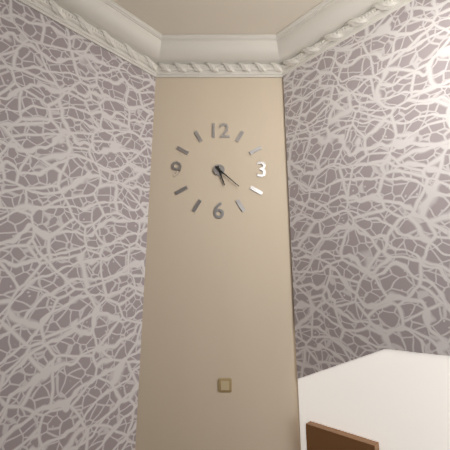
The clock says {"hour": 5, "minute": 22}
